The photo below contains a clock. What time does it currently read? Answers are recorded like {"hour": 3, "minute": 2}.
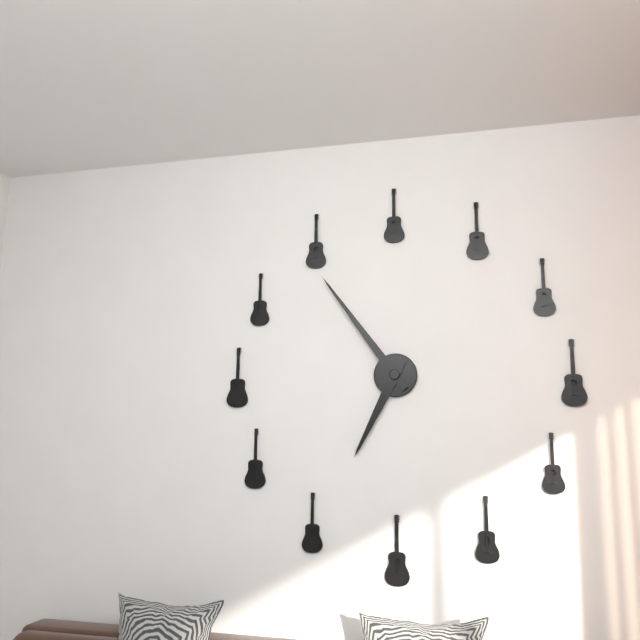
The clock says {"hour": 6, "minute": 54}
